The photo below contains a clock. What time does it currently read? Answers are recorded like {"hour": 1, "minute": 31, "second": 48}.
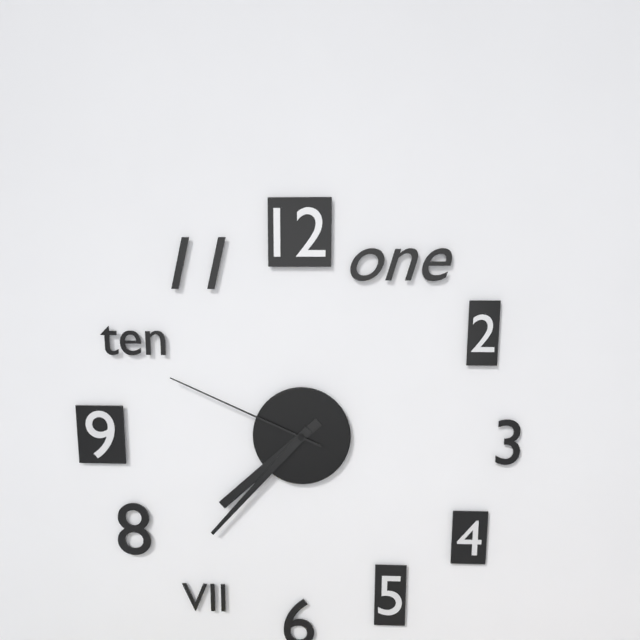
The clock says {"hour": 7, "minute": 37, "second": 49}
